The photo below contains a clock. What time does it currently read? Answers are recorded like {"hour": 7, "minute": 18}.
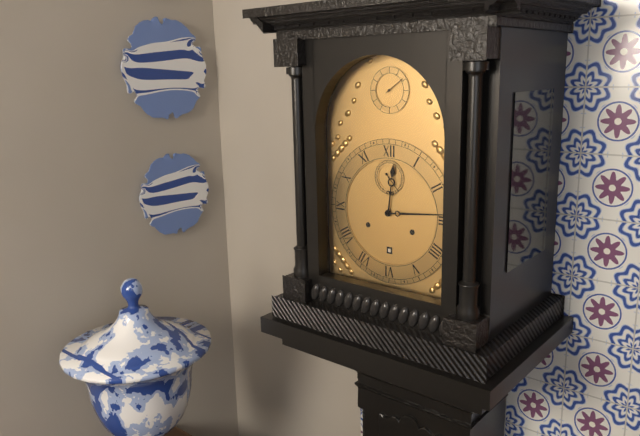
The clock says {"hour": 12, "minute": 14}
